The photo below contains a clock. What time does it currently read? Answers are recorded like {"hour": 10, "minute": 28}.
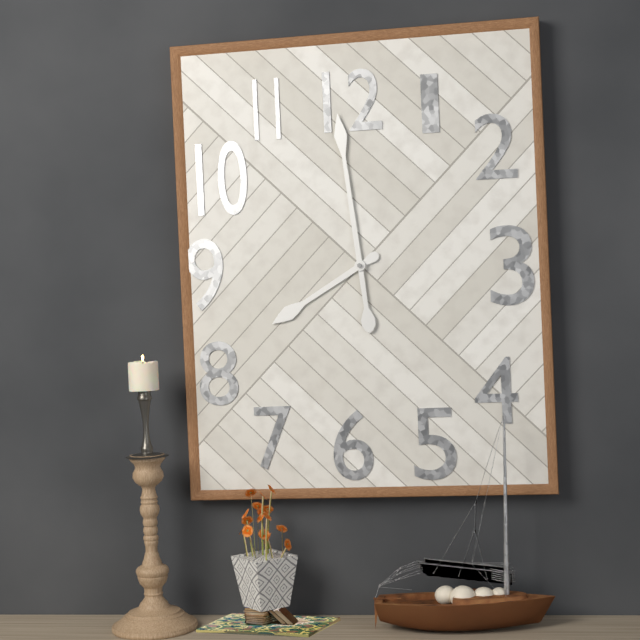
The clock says {"hour": 7, "minute": 59}
